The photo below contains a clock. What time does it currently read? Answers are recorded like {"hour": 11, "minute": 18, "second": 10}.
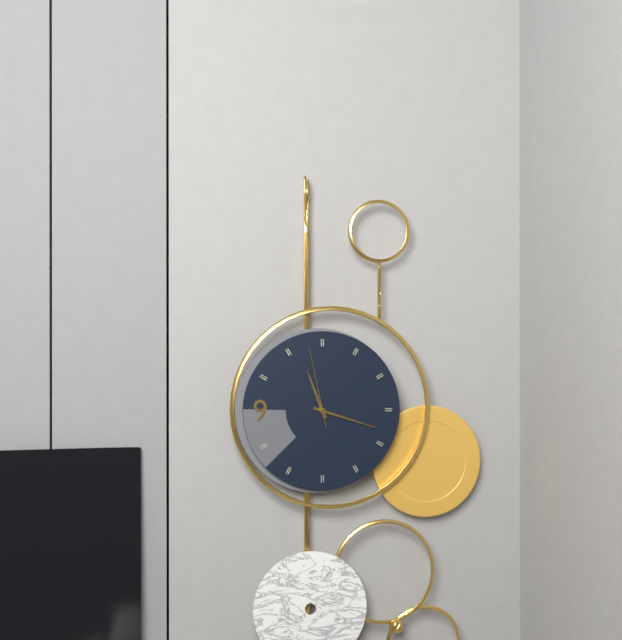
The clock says {"hour": 11, "minute": 18, "second": 58}
